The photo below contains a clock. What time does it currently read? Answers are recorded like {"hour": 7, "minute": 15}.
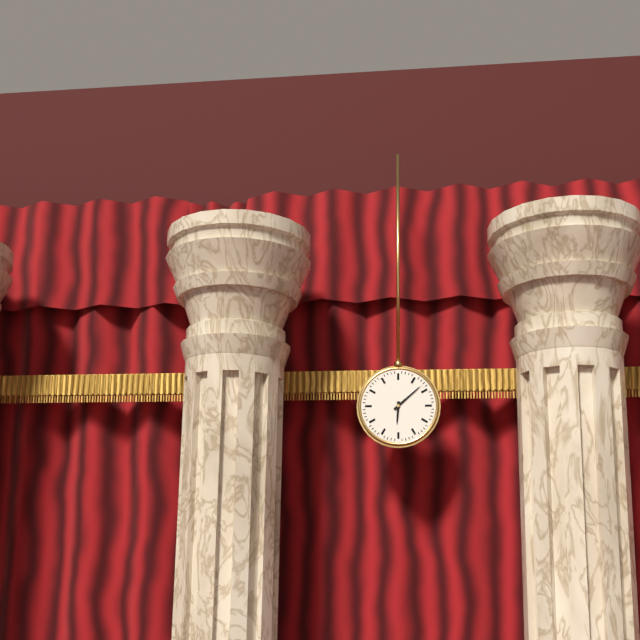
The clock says {"hour": 6, "minute": 8}
